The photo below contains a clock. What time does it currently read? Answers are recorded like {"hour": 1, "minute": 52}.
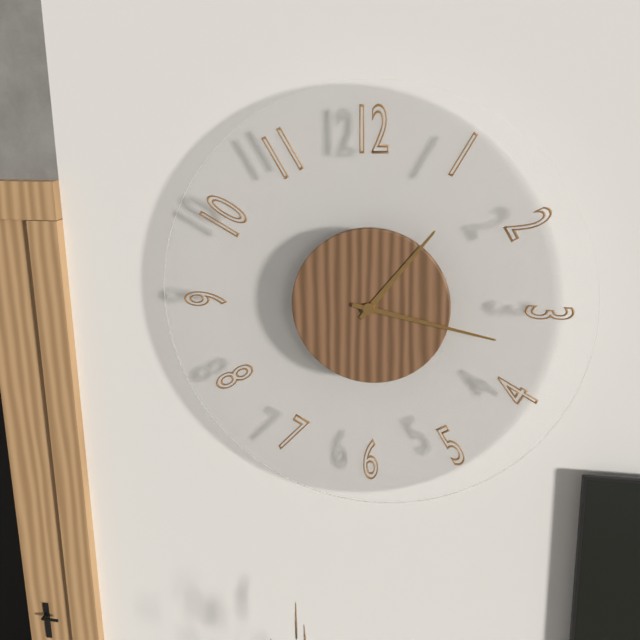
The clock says {"hour": 1, "minute": 17}
